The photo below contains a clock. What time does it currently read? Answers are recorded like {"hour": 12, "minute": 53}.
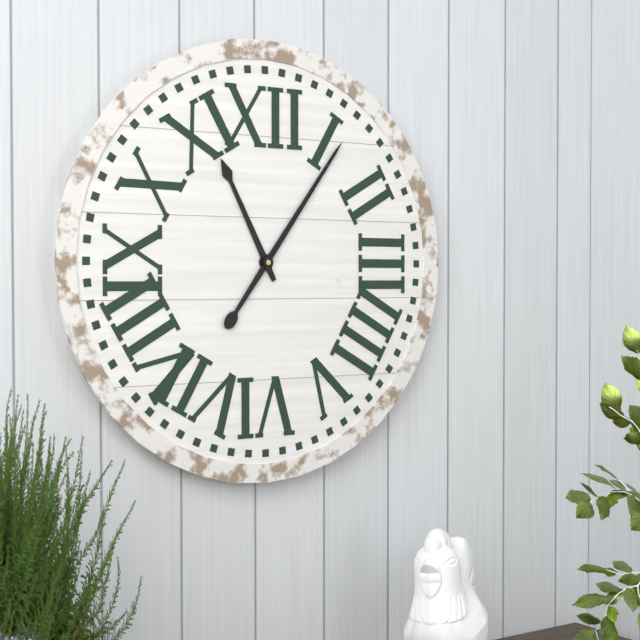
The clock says {"hour": 11, "minute": 6}
